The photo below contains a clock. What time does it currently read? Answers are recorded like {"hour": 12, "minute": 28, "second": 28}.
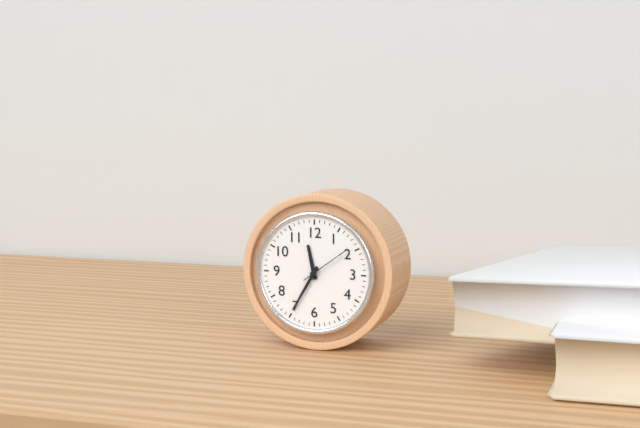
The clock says {"hour": 11, "minute": 35, "second": 9}
